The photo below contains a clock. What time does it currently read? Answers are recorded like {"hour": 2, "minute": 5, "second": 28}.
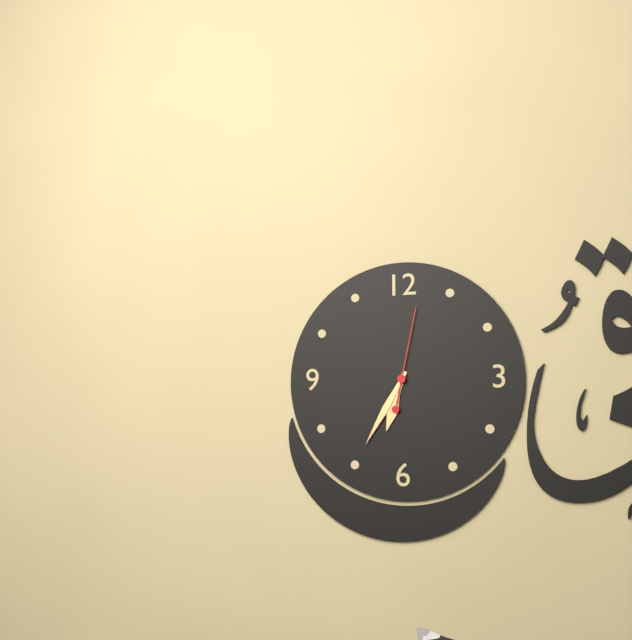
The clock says {"hour": 6, "minute": 35, "second": 2}
